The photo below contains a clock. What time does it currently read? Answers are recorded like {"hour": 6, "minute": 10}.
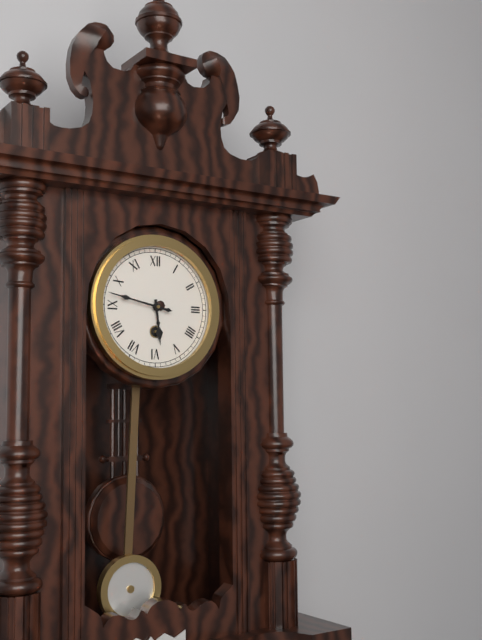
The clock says {"hour": 5, "minute": 47}
